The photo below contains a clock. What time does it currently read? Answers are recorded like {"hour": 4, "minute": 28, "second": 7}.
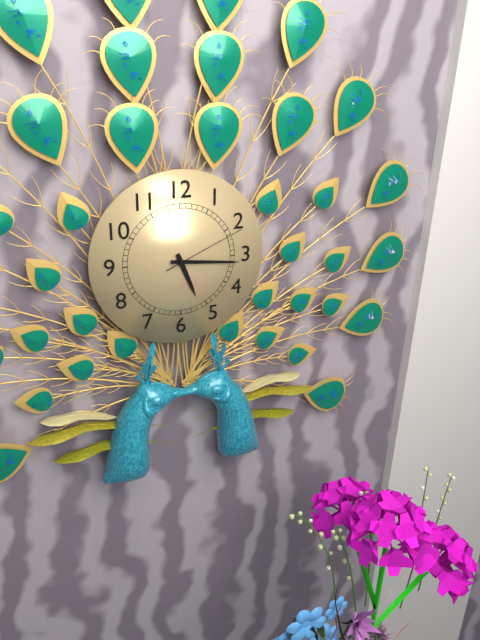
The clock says {"hour": 5, "minute": 16, "second": 11}
